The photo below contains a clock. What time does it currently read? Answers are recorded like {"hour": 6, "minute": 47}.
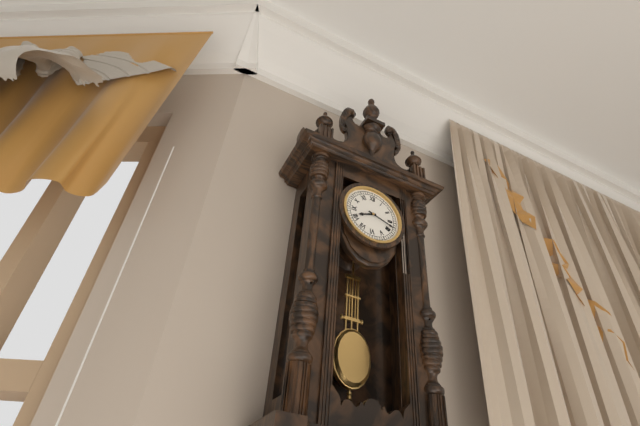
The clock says {"hour": 8, "minute": 18}
